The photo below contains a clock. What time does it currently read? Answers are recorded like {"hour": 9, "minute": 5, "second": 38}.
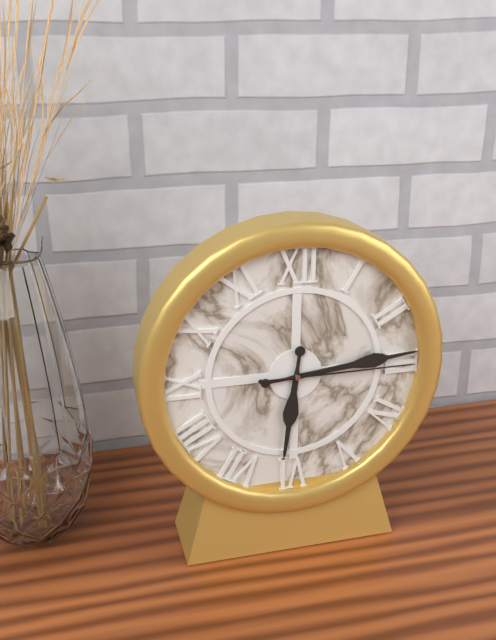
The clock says {"hour": 6, "minute": 14, "second": 15}
